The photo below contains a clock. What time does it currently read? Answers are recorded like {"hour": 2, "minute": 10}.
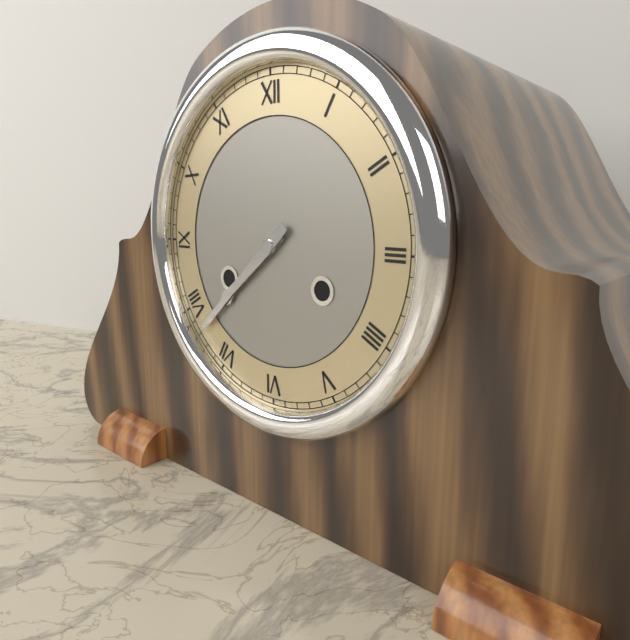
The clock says {"hour": 7, "minute": 38}
